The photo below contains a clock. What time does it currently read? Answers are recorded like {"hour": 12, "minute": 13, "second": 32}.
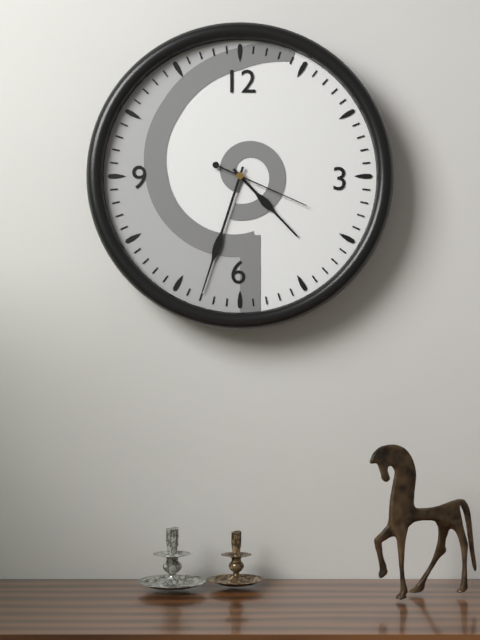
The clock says {"hour": 4, "minute": 33, "second": 19}
